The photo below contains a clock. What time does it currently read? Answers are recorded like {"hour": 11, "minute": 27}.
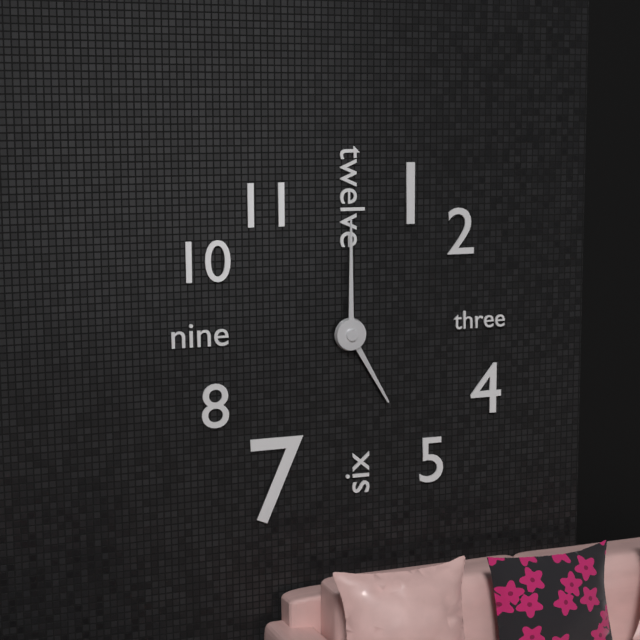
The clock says {"hour": 5, "minute": 0}
